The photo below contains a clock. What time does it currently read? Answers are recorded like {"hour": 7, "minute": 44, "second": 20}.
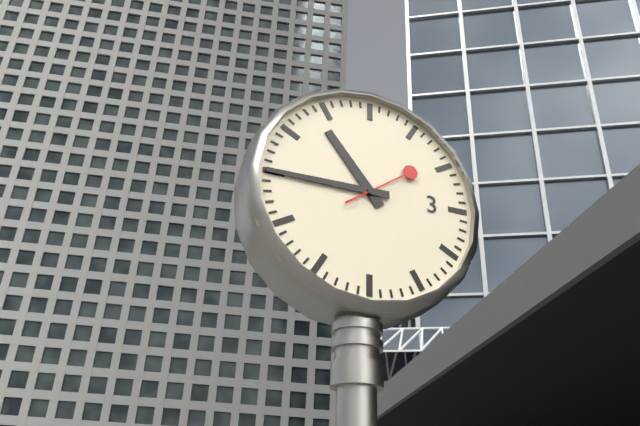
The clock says {"hour": 10, "minute": 45, "second": 9}
